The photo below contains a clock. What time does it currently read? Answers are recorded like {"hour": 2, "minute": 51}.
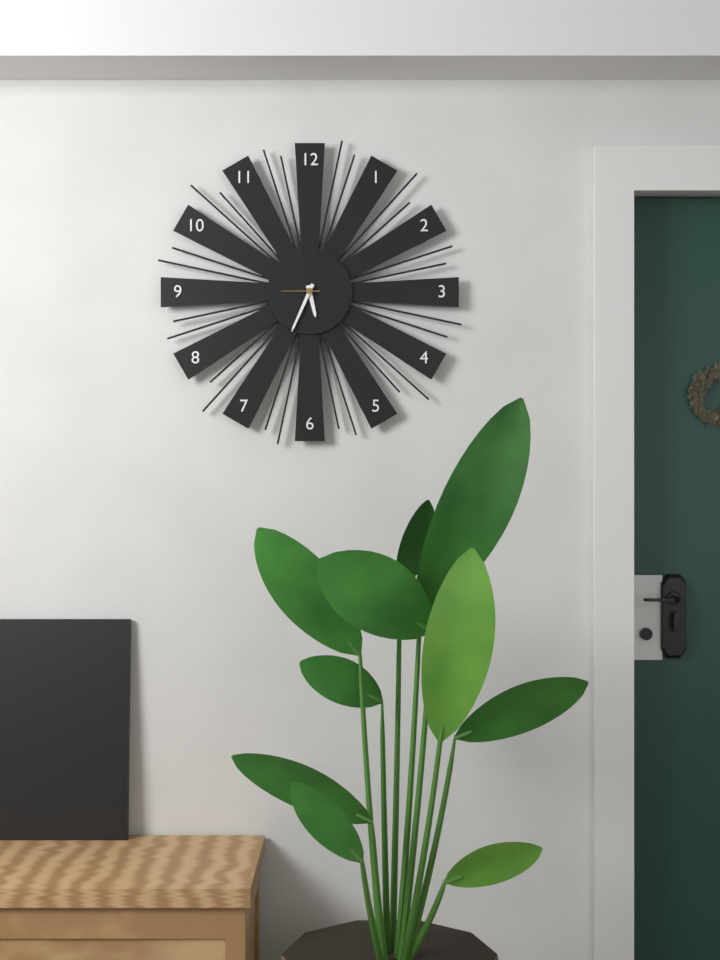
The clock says {"hour": 5, "minute": 34}
